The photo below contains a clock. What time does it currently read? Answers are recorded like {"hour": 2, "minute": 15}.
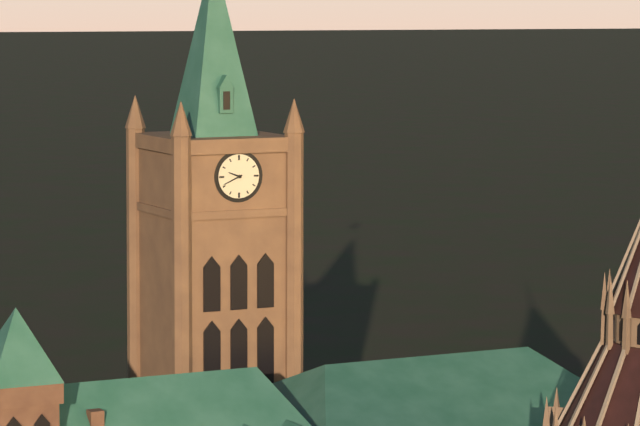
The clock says {"hour": 9, "minute": 41}
